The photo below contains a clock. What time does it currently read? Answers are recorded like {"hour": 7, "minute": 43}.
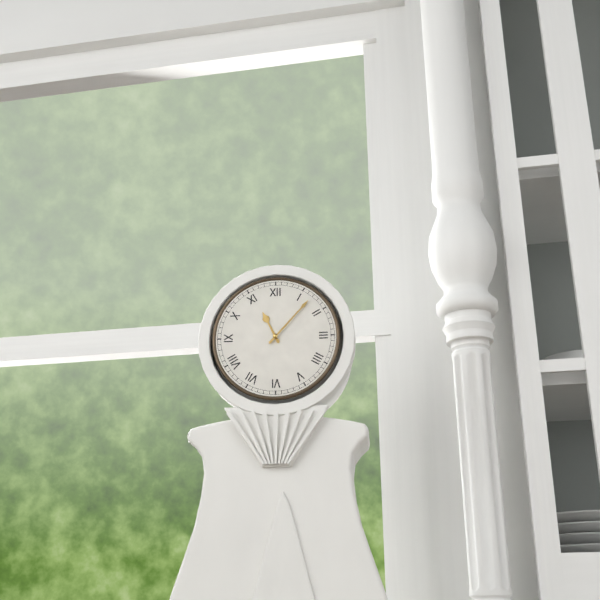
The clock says {"hour": 11, "minute": 7}
